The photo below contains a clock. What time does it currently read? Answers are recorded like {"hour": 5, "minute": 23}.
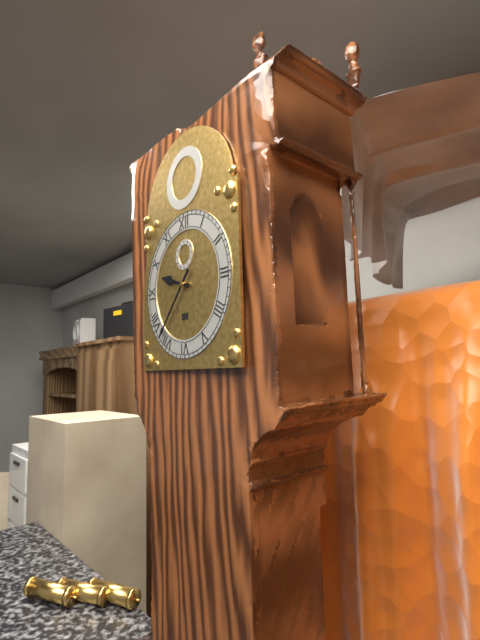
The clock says {"hour": 9, "minute": 37}
